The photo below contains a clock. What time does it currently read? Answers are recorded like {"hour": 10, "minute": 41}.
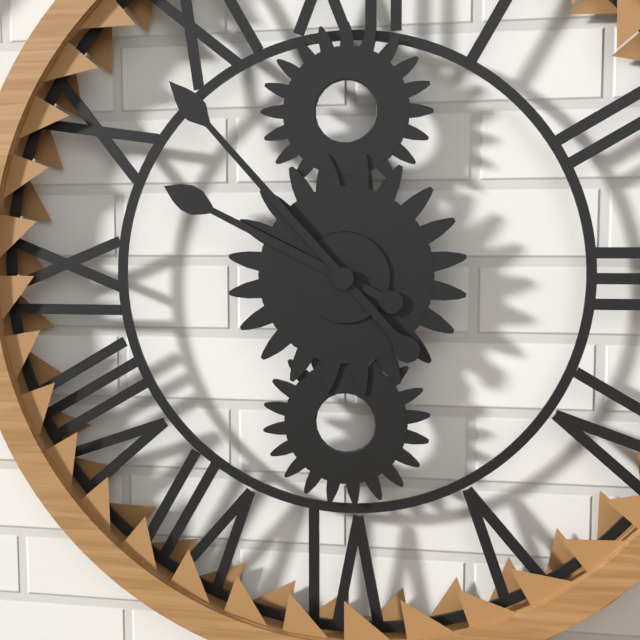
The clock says {"hour": 9, "minute": 53}
